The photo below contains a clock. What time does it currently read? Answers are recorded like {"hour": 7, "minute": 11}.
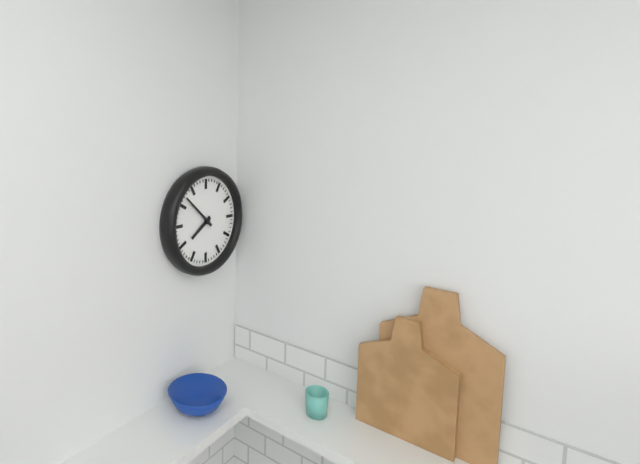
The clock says {"hour": 7, "minute": 52}
